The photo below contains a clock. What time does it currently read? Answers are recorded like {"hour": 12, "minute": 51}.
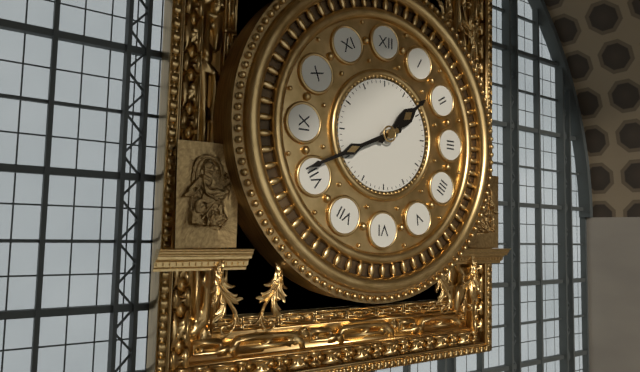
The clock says {"hour": 1, "minute": 41}
